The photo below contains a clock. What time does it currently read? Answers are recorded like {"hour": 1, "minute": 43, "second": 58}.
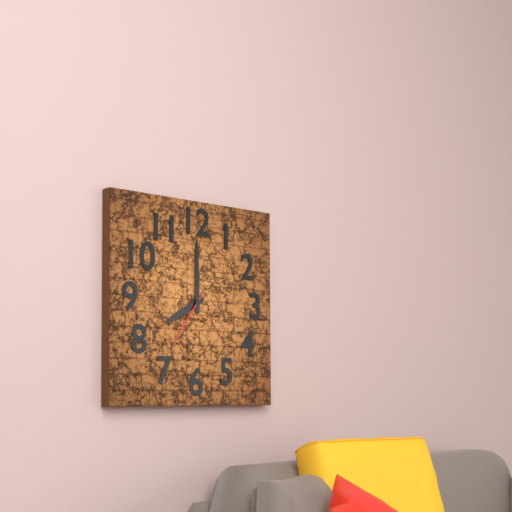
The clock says {"hour": 8, "minute": 0, "second": 36}
